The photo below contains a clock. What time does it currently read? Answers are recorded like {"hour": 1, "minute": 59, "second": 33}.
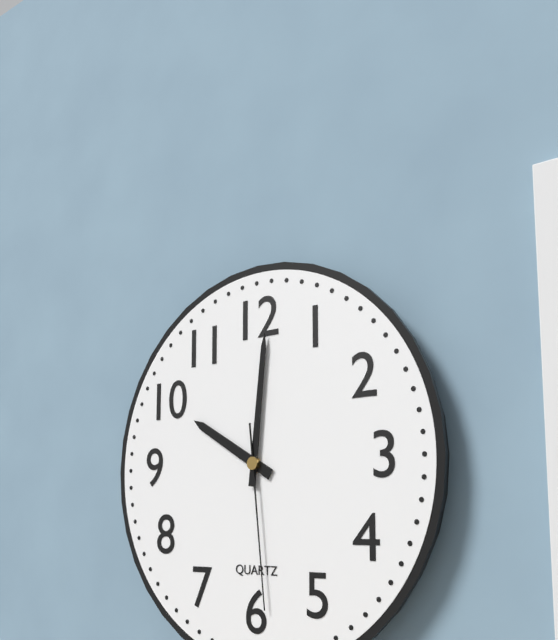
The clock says {"hour": 10, "minute": 1, "second": 29}
